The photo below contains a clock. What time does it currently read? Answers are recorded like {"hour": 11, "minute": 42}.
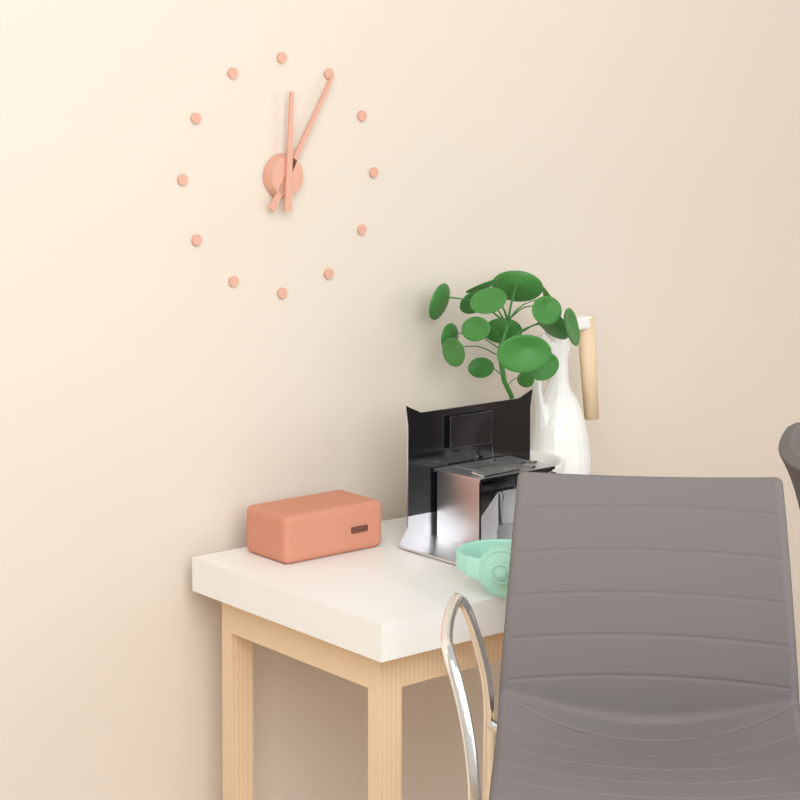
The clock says {"hour": 12, "minute": 5}
